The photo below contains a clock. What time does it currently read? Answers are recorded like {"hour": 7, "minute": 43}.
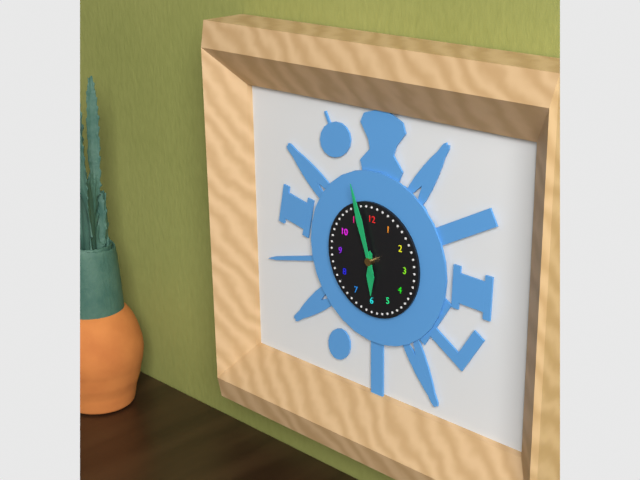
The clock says {"hour": 5, "minute": 57}
